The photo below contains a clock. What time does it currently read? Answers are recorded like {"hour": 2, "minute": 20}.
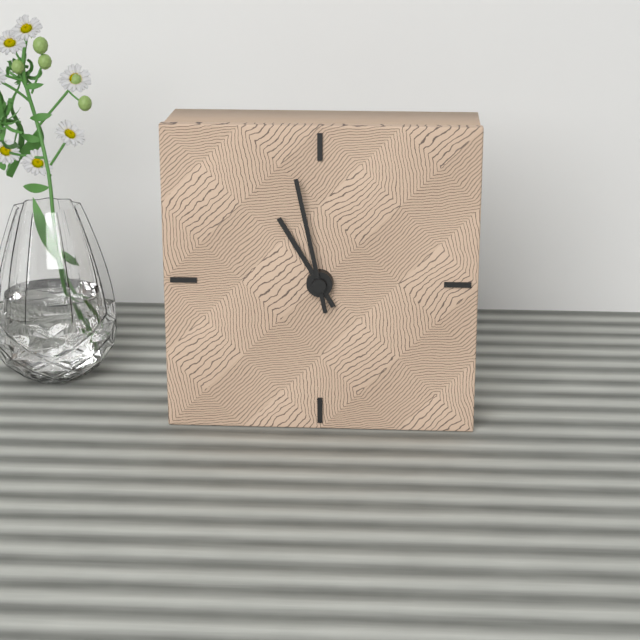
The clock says {"hour": 10, "minute": 58}
